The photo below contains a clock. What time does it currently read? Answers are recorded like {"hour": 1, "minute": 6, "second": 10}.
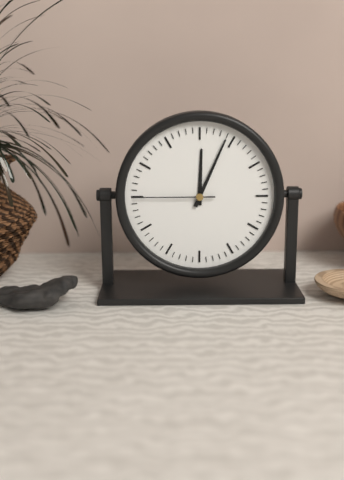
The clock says {"hour": 12, "minute": 4, "second": 45}
